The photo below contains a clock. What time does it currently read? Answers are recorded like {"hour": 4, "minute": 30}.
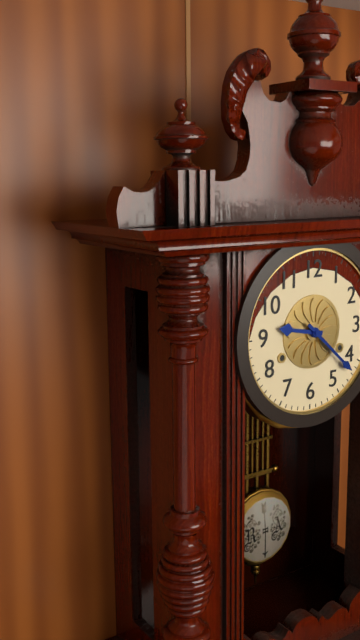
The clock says {"hour": 9, "minute": 22}
